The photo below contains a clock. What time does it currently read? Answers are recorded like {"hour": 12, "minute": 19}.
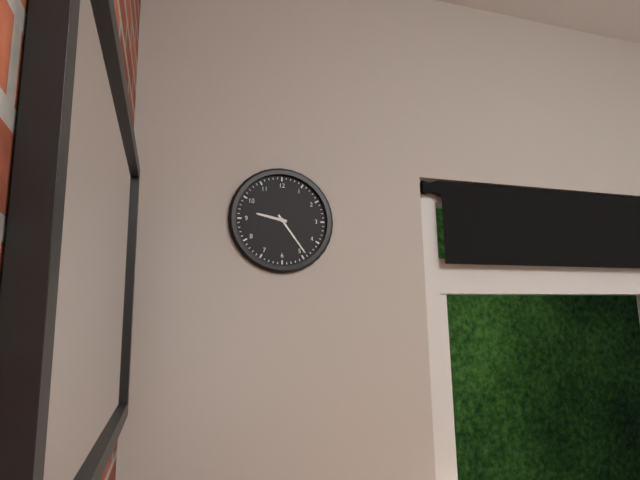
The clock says {"hour": 9, "minute": 24}
